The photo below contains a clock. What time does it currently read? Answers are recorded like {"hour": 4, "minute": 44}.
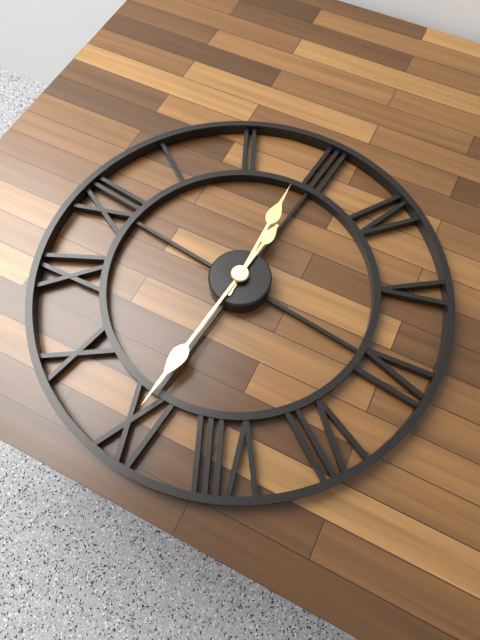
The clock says {"hour": 2, "minute": 45}
